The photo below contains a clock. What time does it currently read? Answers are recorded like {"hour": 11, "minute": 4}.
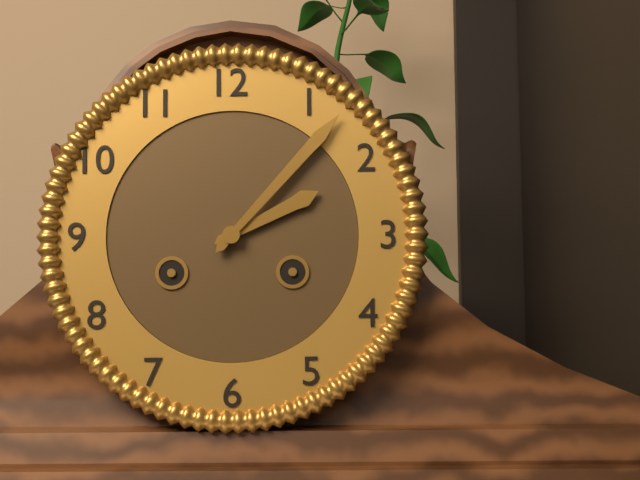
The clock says {"hour": 2, "minute": 7}
